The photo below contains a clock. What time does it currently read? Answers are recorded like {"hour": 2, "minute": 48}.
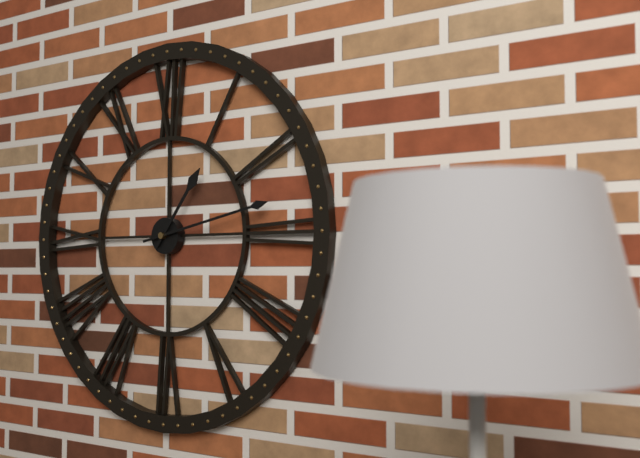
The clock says {"hour": 1, "minute": 13}
